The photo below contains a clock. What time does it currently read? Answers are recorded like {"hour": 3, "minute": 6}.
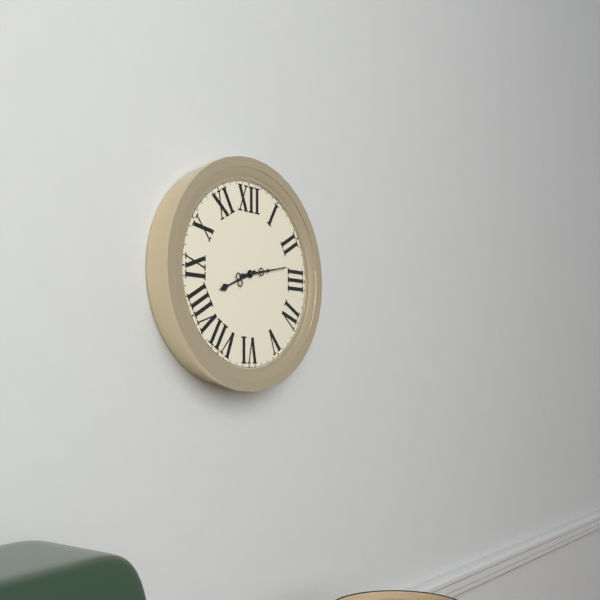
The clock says {"hour": 8, "minute": 13}
